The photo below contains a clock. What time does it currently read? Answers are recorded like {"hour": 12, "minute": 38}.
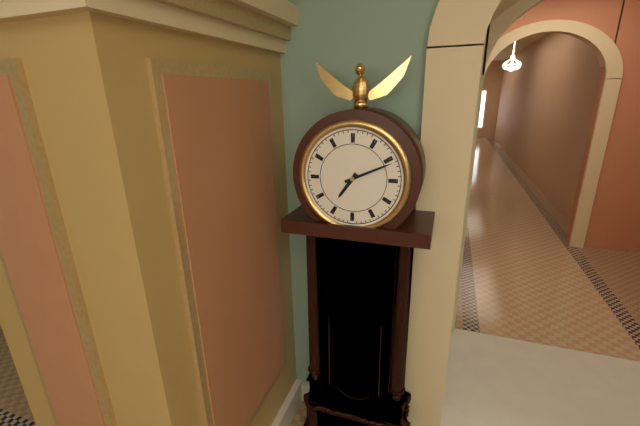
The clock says {"hour": 7, "minute": 11}
